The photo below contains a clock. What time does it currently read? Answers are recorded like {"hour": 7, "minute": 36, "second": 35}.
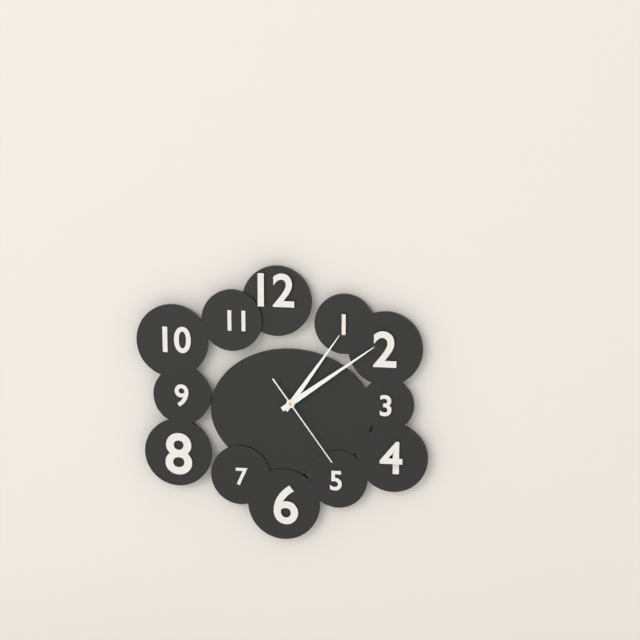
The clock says {"hour": 1, "minute": 9, "second": 24}
